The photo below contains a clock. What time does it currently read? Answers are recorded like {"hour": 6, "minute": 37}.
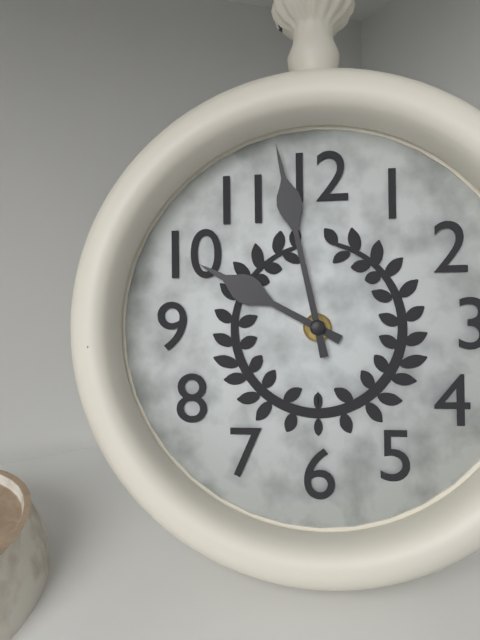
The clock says {"hour": 9, "minute": 58}
